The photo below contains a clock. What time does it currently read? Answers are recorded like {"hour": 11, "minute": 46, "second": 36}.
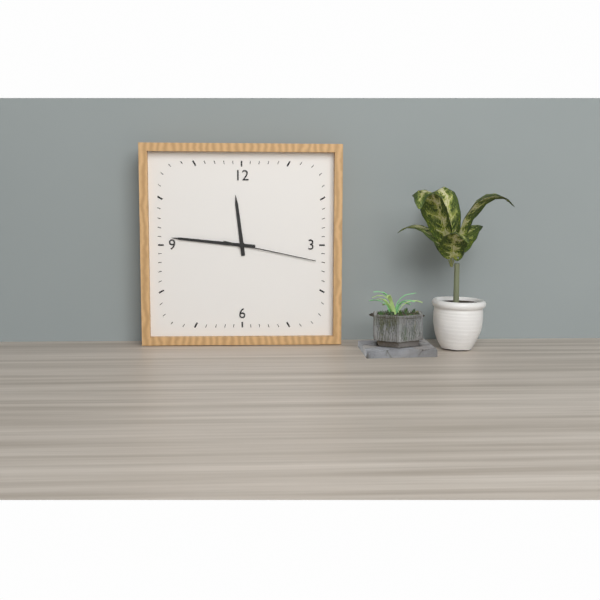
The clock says {"hour": 11, "minute": 46, "second": 17}
